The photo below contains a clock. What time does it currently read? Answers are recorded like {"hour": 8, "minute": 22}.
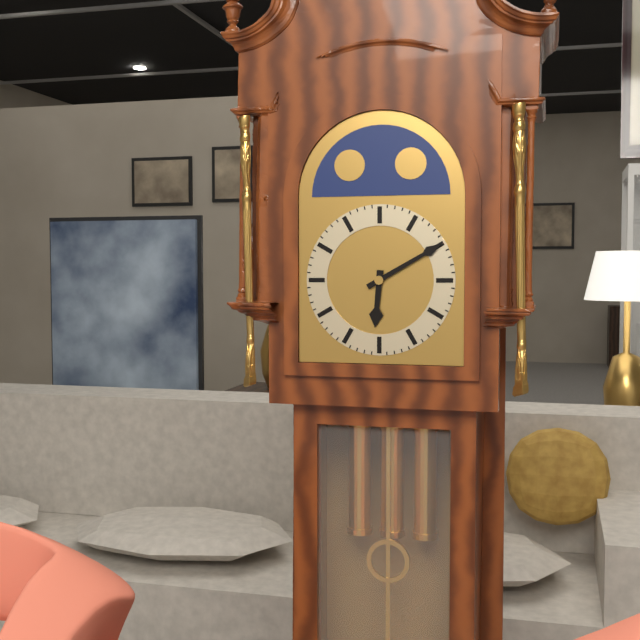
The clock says {"hour": 6, "minute": 10}
